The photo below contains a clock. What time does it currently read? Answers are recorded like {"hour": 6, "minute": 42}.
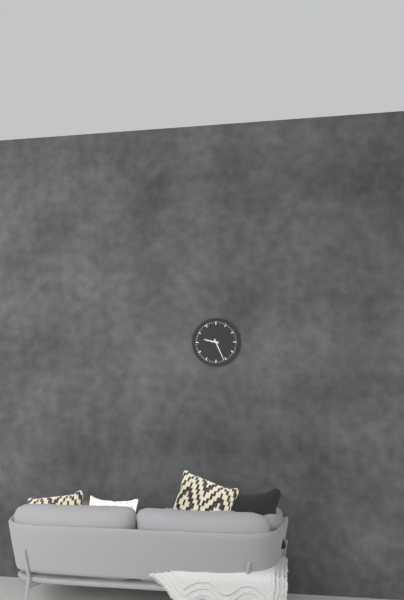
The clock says {"hour": 9, "minute": 26}
